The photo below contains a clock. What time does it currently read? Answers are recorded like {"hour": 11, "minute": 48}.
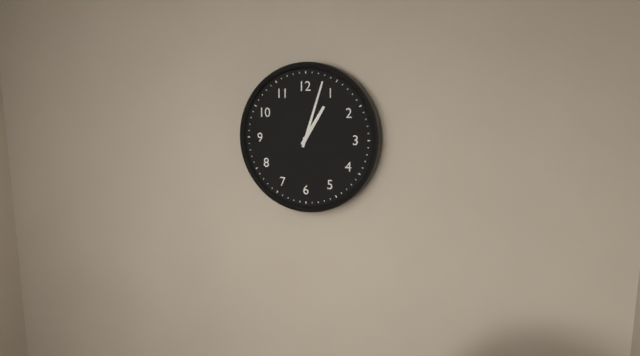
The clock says {"hour": 1, "minute": 3}
